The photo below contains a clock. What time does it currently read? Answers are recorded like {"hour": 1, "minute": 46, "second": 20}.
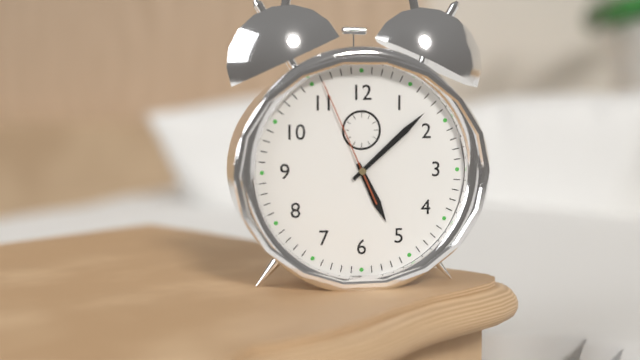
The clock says {"hour": 5, "minute": 8, "second": 56}
